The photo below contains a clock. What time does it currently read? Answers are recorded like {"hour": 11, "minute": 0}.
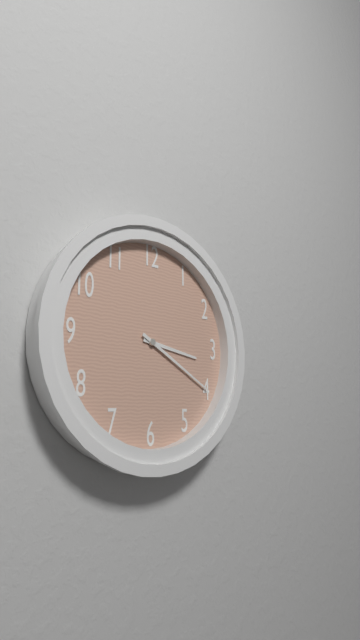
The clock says {"hour": 3, "minute": 20}
